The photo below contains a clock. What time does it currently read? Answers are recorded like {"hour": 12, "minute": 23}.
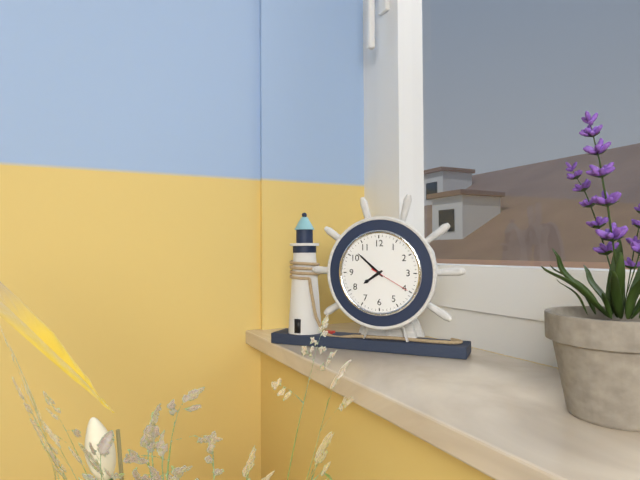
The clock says {"hour": 7, "minute": 52}
